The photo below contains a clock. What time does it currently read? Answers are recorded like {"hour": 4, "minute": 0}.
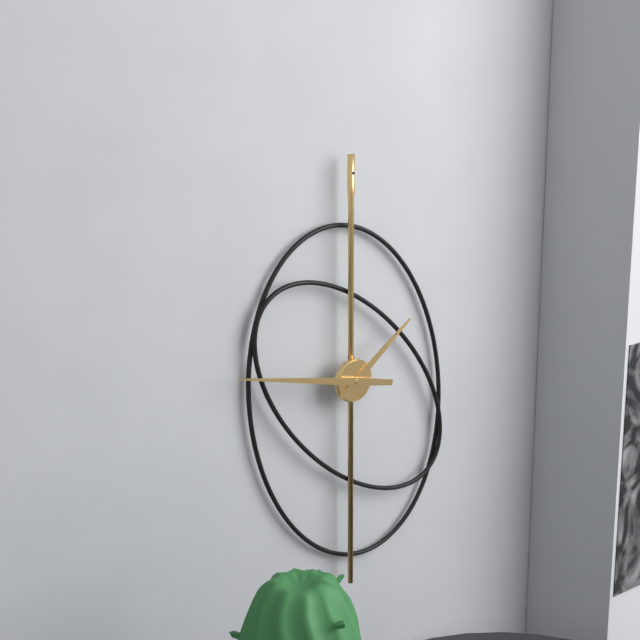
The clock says {"hour": 1, "minute": 47}
